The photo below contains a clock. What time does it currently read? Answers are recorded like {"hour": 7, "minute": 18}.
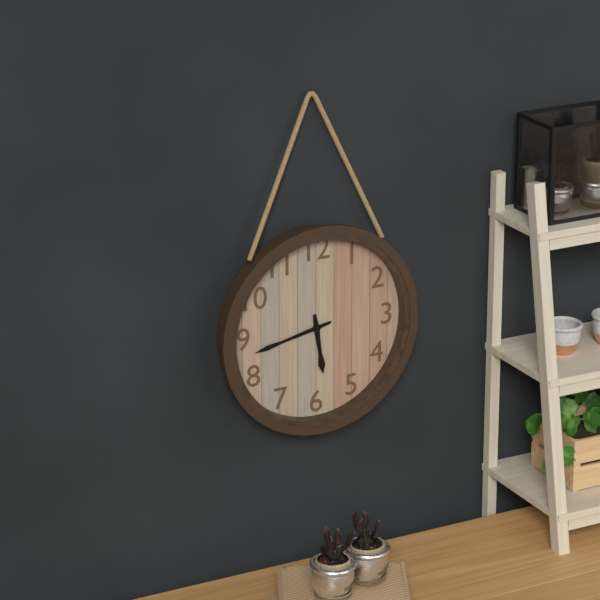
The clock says {"hour": 5, "minute": 43}
